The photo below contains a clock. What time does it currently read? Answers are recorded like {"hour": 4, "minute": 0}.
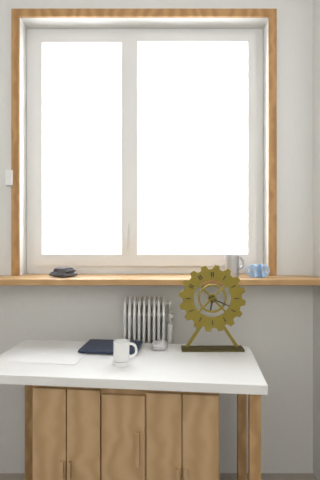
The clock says {"hour": 6, "minute": 19}
